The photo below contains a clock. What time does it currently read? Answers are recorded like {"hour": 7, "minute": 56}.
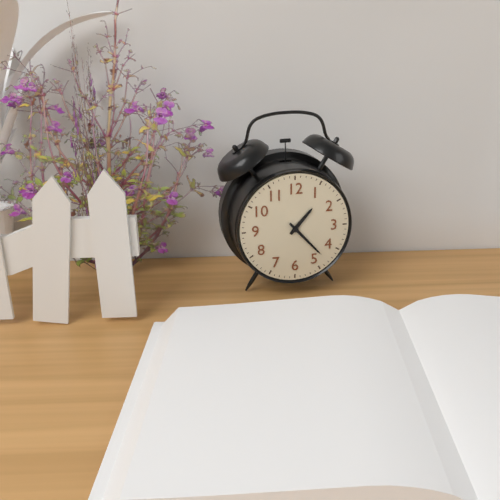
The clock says {"hour": 1, "minute": 23}
